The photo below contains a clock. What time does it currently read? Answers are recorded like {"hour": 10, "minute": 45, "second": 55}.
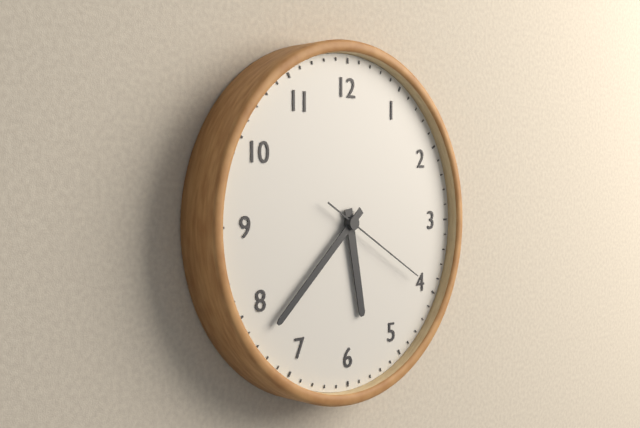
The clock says {"hour": 5, "minute": 38, "second": 20}
